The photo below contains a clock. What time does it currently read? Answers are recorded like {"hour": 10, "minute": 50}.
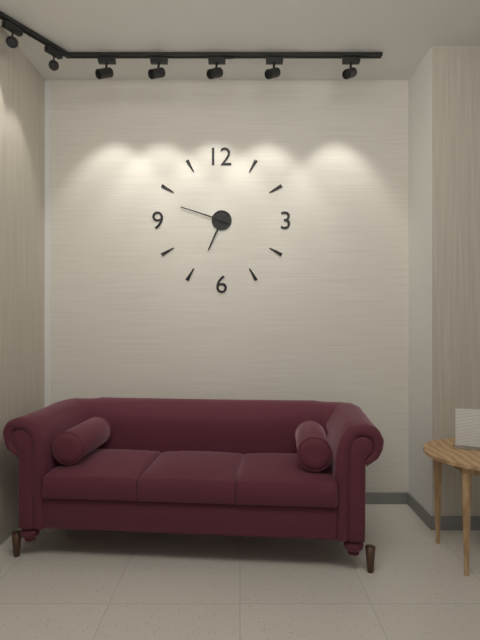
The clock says {"hour": 6, "minute": 48}
